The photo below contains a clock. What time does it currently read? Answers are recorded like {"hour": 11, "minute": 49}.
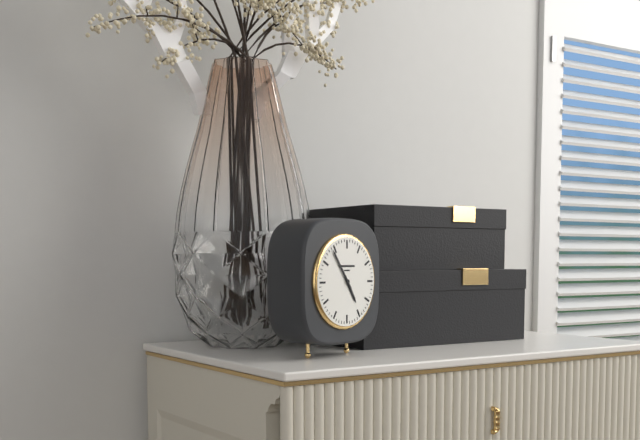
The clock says {"hour": 4, "minute": 54}
